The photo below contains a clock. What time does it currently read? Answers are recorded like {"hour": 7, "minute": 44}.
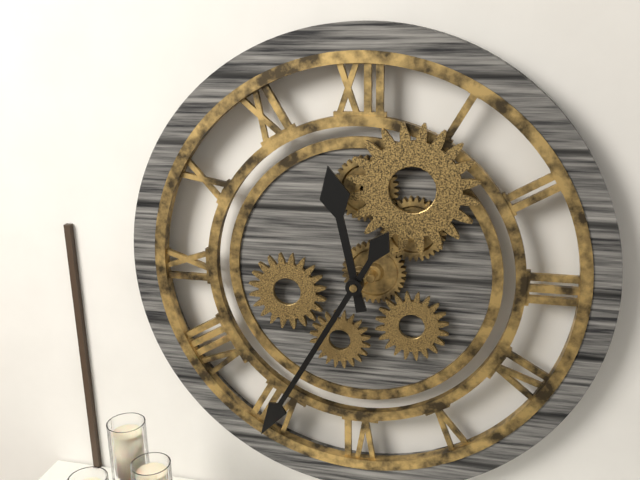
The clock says {"hour": 11, "minute": 35}
